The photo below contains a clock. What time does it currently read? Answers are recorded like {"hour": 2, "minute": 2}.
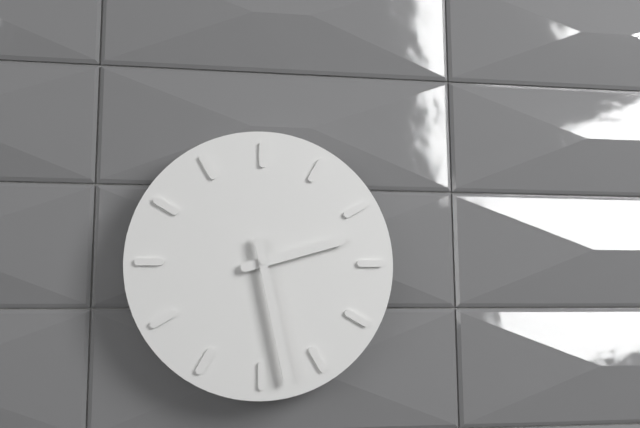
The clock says {"hour": 2, "minute": 28}
